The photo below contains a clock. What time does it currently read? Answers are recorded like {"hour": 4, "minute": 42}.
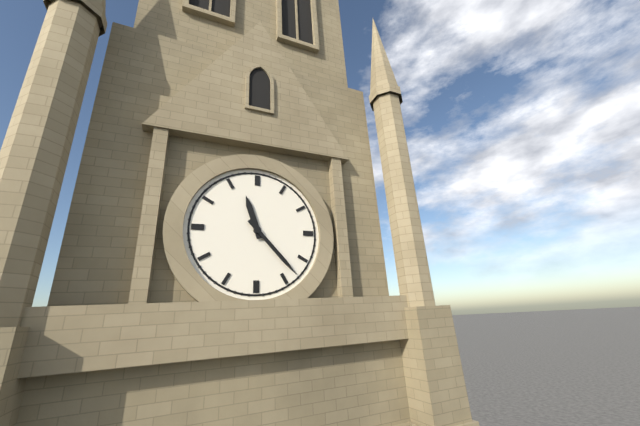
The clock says {"hour": 11, "minute": 23}
